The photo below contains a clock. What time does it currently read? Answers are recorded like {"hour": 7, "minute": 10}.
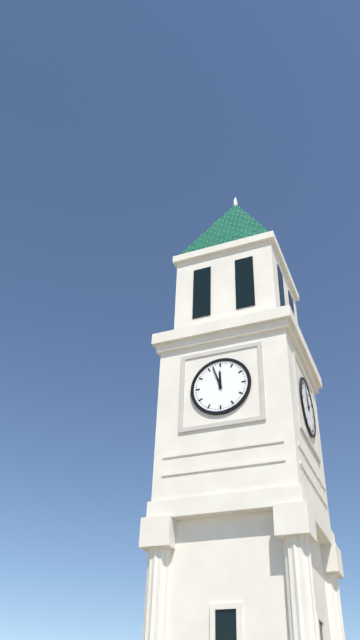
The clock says {"hour": 11, "minute": 57}
